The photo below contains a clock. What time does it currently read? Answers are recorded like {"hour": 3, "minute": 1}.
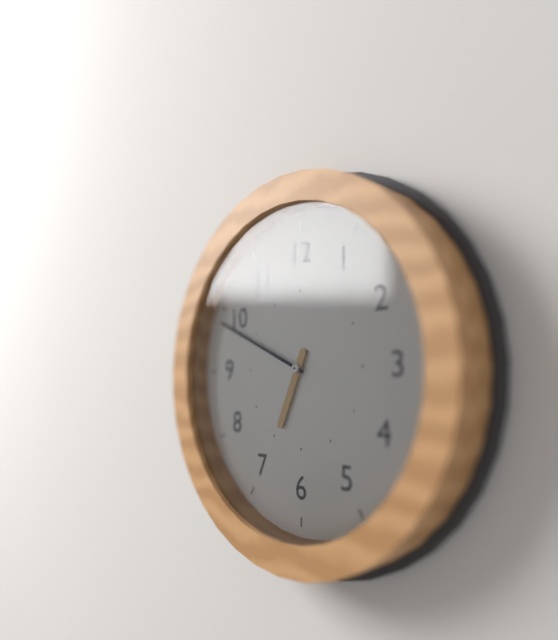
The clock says {"hour": 6, "minute": 49}
